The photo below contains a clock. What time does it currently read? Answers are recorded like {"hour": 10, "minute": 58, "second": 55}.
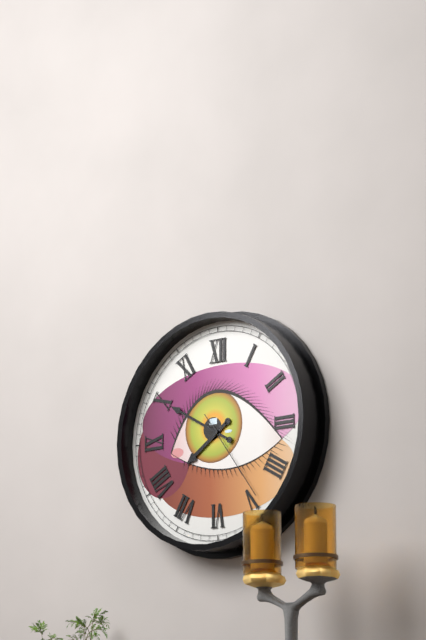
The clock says {"hour": 7, "minute": 50, "second": 24}
